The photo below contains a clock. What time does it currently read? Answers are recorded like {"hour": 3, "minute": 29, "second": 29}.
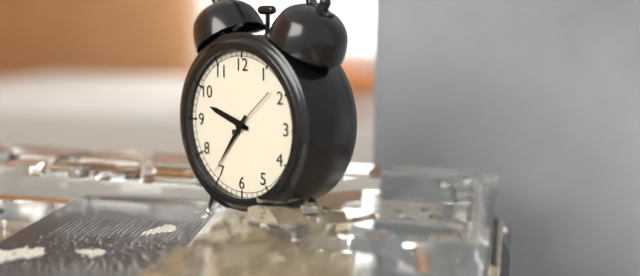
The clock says {"hour": 9, "minute": 36, "second": 8}
